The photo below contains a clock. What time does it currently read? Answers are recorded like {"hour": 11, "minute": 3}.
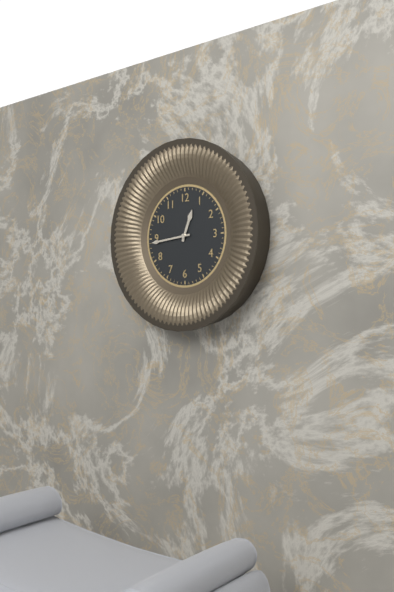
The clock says {"hour": 12, "minute": 44}
